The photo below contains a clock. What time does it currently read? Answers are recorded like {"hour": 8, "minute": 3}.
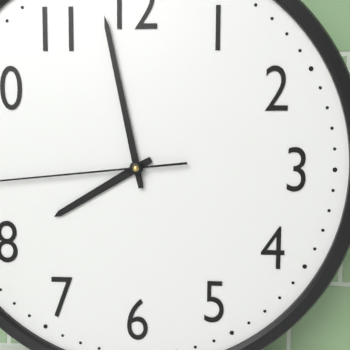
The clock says {"hour": 7, "minute": 58}
